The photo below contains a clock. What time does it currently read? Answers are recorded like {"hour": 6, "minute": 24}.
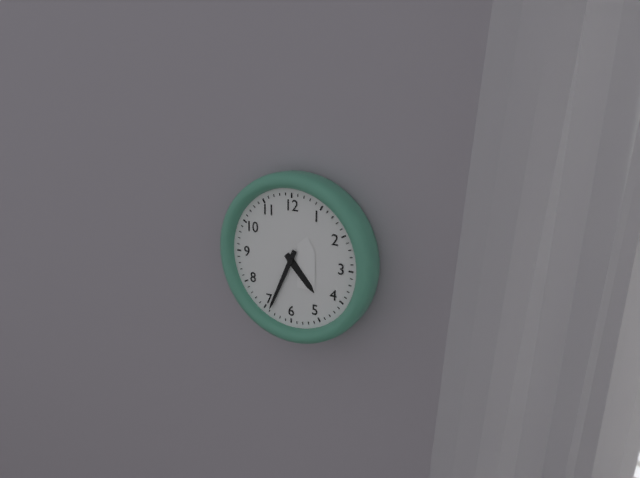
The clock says {"hour": 4, "minute": 34}
